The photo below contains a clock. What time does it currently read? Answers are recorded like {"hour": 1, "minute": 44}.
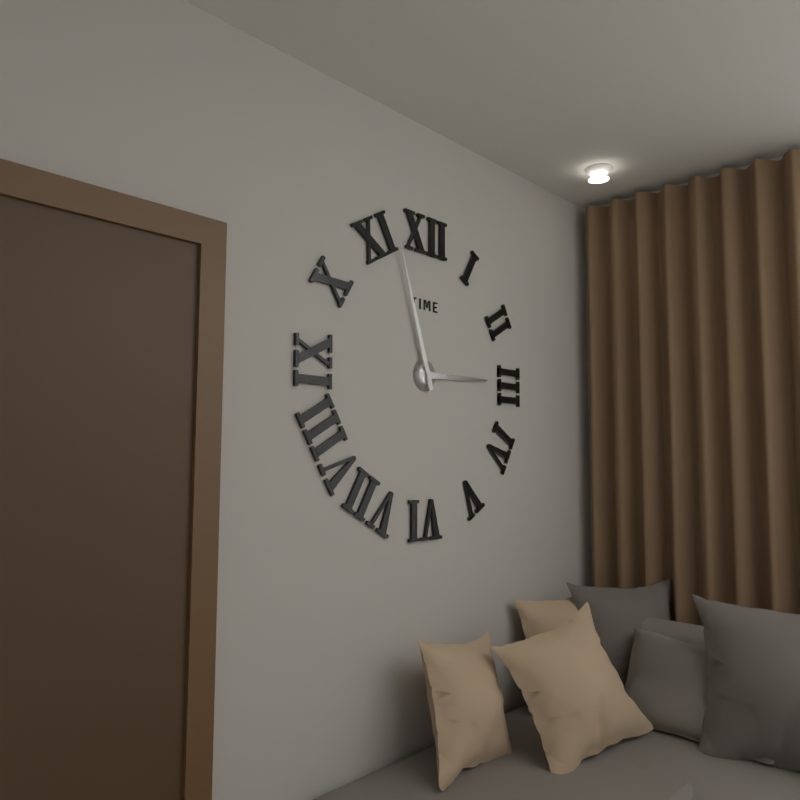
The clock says {"hour": 2, "minute": 57}
